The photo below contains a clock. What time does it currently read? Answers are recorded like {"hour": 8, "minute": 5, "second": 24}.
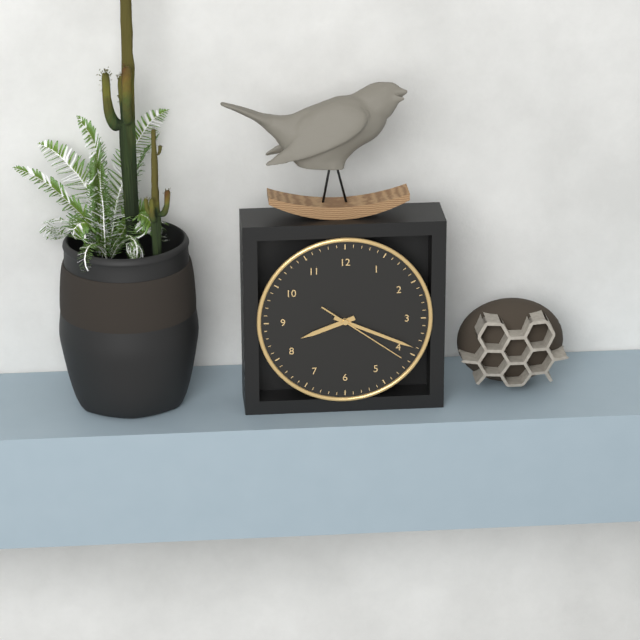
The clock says {"hour": 8, "minute": 19, "second": 21}
